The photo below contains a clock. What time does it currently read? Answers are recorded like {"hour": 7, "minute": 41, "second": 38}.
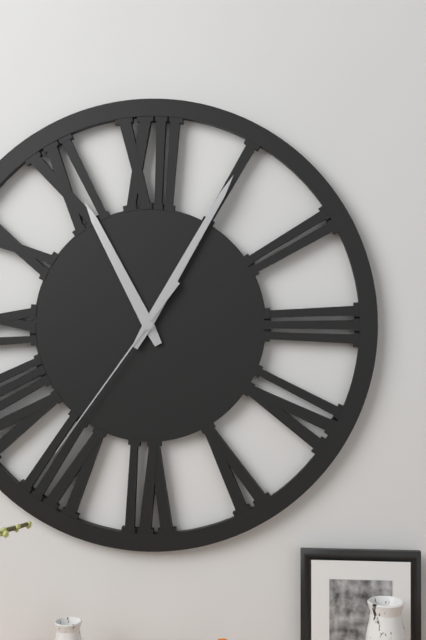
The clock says {"hour": 11, "minute": 5, "second": 36}
